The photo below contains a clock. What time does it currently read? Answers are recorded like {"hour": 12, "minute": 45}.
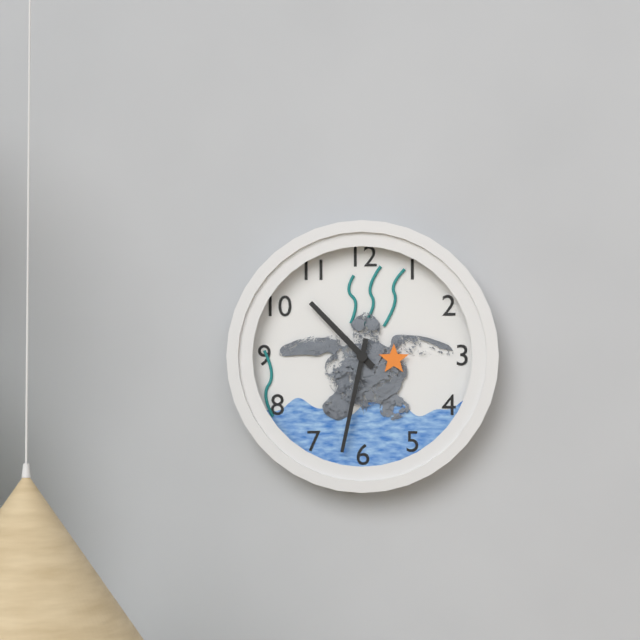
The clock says {"hour": 10, "minute": 32}
